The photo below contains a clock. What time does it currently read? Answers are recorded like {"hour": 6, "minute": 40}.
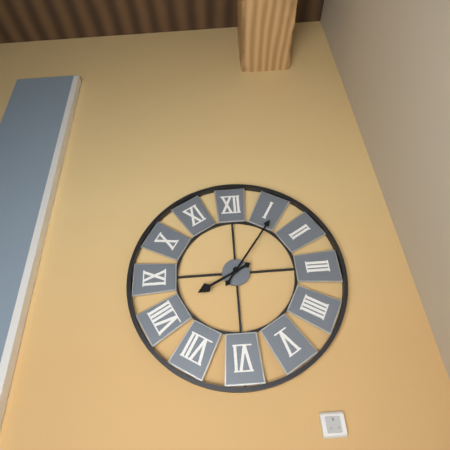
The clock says {"hour": 8, "minute": 6}
